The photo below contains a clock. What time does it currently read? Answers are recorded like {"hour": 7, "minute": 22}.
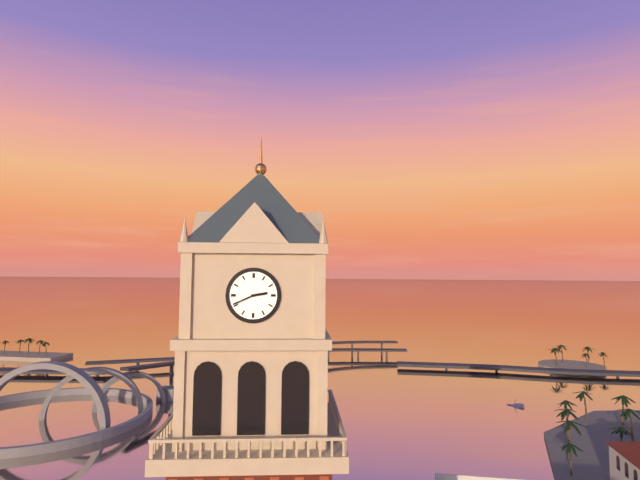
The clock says {"hour": 2, "minute": 41}
